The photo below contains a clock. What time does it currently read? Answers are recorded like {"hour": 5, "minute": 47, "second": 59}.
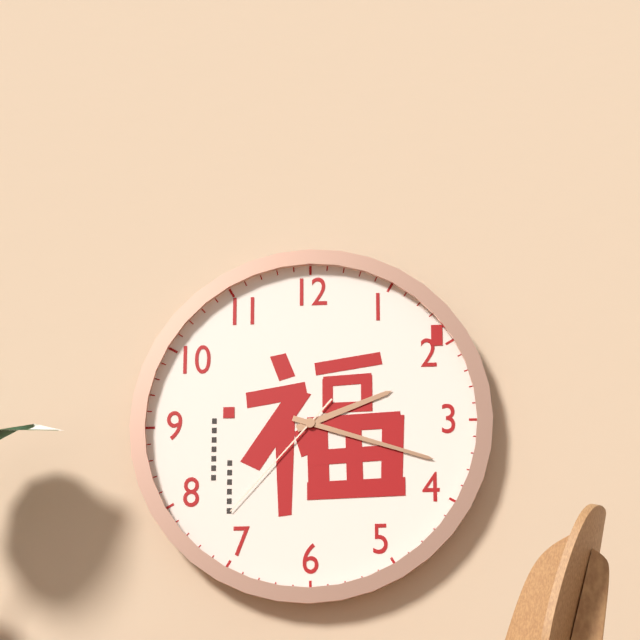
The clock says {"hour": 2, "minute": 18, "second": 37}
